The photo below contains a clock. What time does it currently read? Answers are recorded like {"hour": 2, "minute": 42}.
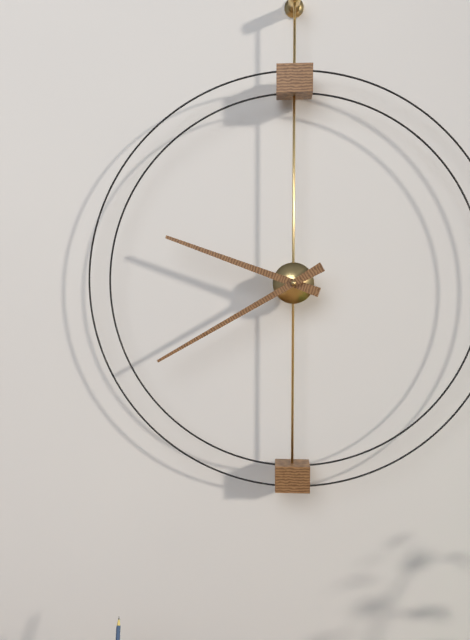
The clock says {"hour": 9, "minute": 40}
